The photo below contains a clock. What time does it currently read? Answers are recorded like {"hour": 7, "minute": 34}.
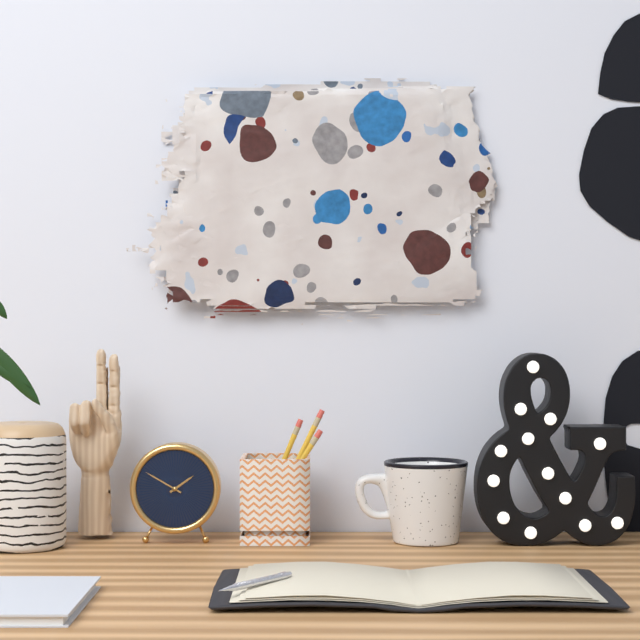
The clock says {"hour": 1, "minute": 50}
